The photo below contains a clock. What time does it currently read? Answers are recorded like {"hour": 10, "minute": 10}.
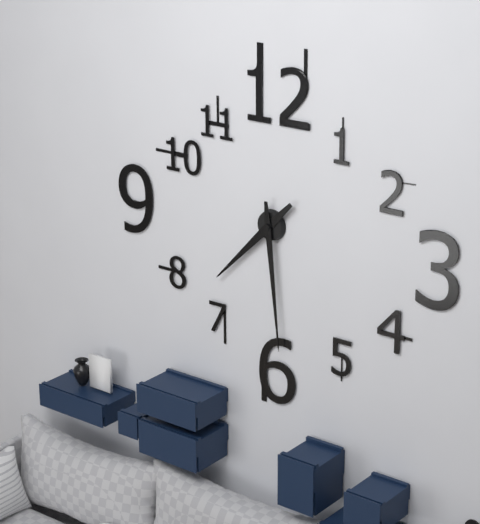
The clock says {"hour": 7, "minute": 29}
